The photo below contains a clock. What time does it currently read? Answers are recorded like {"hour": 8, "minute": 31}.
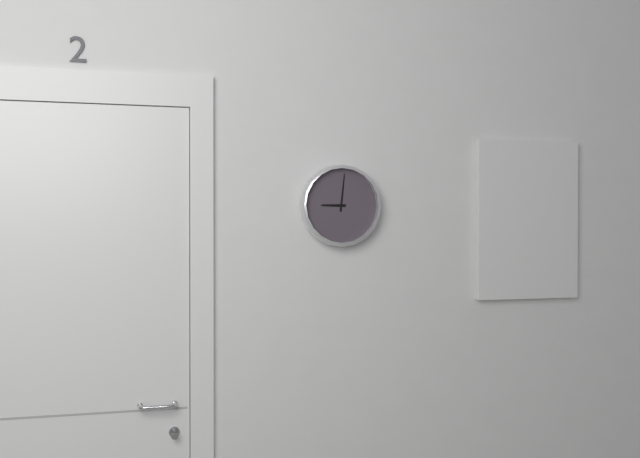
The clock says {"hour": 9, "minute": 1}
